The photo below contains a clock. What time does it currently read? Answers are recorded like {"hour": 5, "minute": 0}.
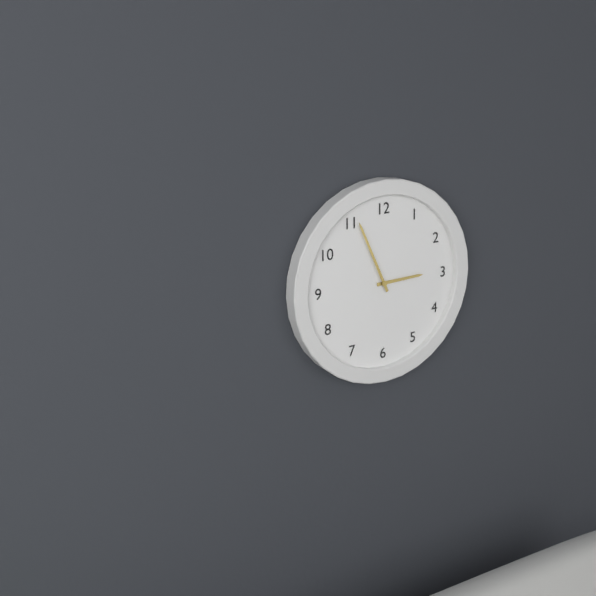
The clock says {"hour": 2, "minute": 56}
